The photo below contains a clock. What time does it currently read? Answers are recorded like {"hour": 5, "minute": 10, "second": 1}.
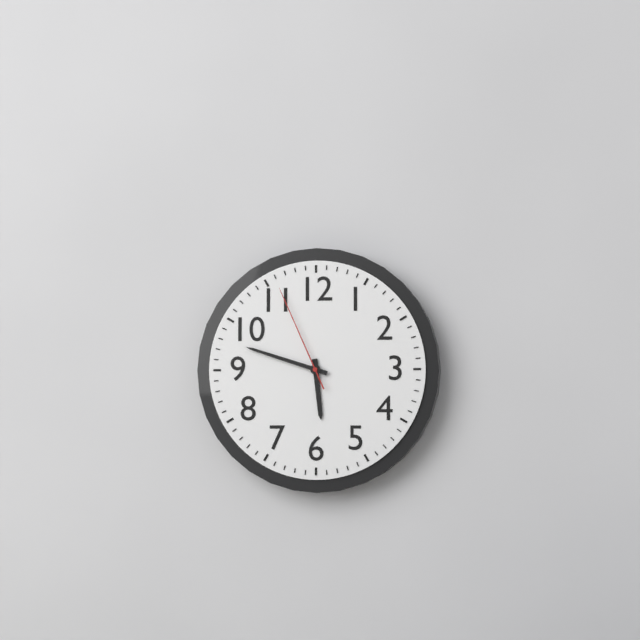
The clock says {"hour": 5, "minute": 48, "second": 56}
